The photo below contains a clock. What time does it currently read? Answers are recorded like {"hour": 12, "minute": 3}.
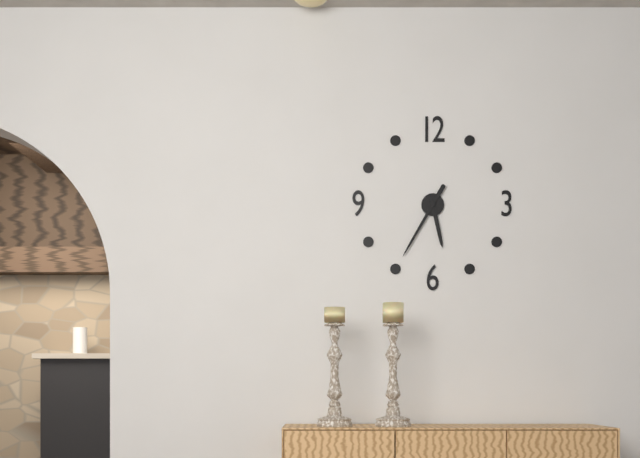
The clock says {"hour": 5, "minute": 35}
